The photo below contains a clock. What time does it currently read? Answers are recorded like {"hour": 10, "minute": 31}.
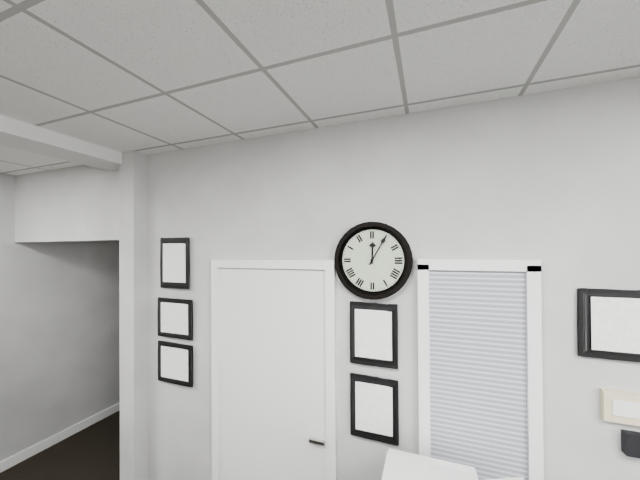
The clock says {"hour": 12, "minute": 5}
